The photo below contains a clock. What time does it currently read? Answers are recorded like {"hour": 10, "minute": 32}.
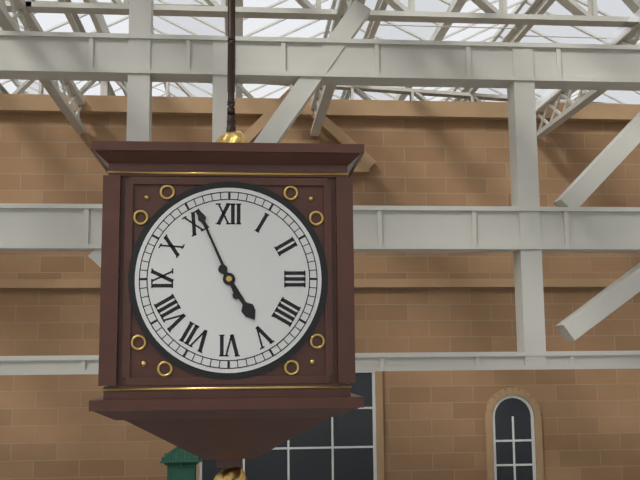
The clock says {"hour": 4, "minute": 56}
